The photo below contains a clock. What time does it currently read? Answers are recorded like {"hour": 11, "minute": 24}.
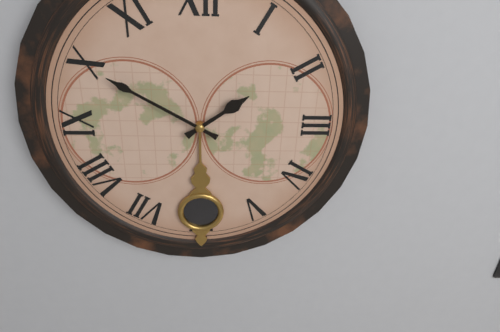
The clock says {"hour": 1, "minute": 50}
